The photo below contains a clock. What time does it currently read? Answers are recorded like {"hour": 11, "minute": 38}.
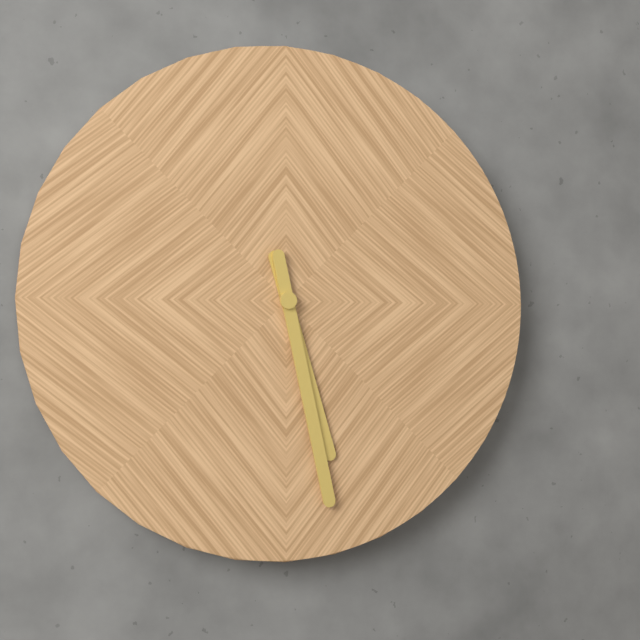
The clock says {"hour": 5, "minute": 28}
